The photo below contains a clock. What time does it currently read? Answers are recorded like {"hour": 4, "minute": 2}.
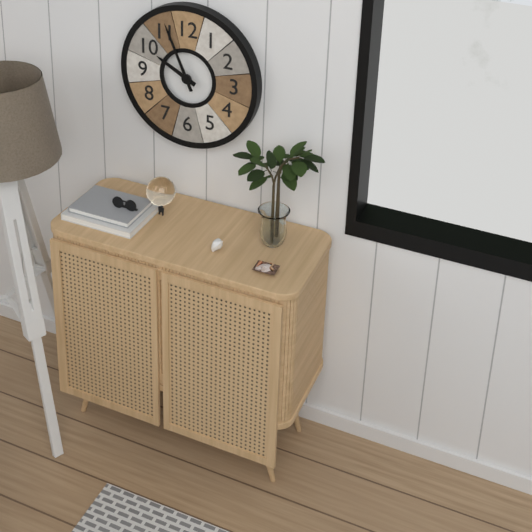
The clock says {"hour": 9, "minute": 56}
